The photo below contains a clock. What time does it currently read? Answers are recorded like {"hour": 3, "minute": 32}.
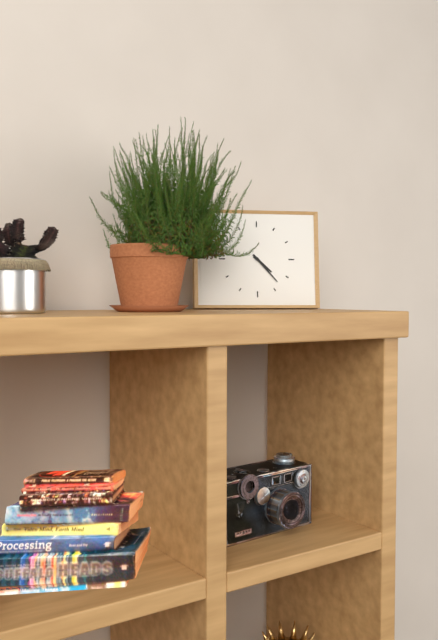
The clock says {"hour": 4, "minute": 23}
